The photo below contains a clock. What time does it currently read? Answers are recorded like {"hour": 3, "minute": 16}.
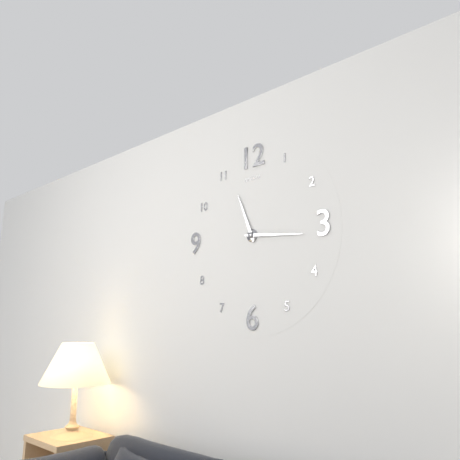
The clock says {"hour": 11, "minute": 16}
